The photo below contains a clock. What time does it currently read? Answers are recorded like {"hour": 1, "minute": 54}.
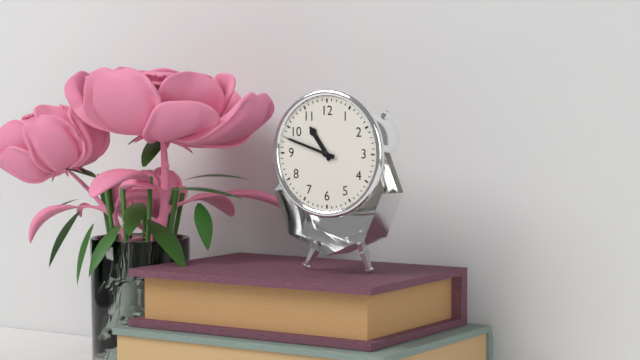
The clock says {"hour": 10, "minute": 48}
